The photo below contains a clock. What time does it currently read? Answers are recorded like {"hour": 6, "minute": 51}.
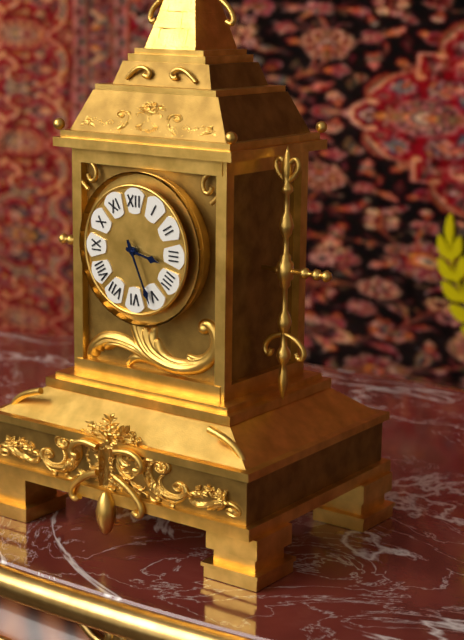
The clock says {"hour": 3, "minute": 26}
